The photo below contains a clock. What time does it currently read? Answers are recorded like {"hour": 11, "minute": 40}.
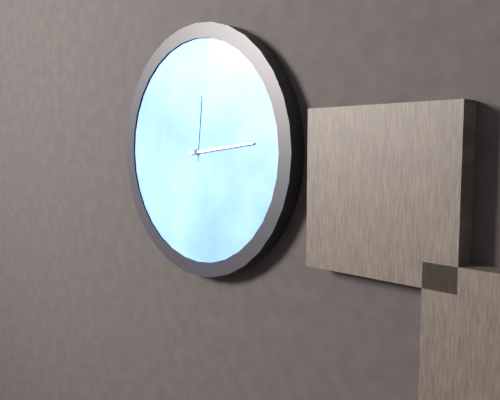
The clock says {"hour": 12, "minute": 14}
